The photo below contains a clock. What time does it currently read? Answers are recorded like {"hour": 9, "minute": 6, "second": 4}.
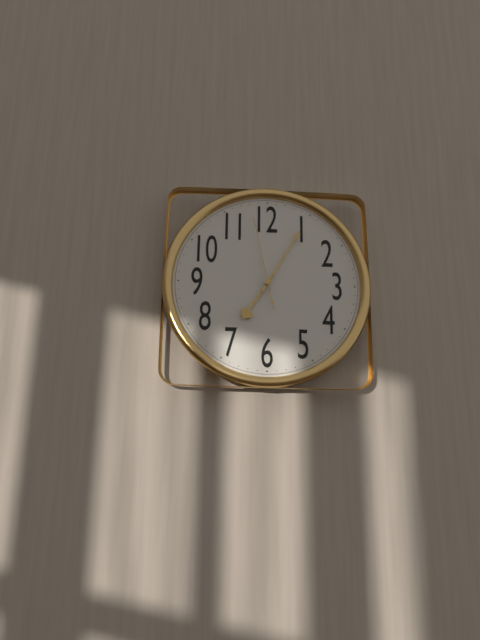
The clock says {"hour": 7, "minute": 5, "second": 58}
